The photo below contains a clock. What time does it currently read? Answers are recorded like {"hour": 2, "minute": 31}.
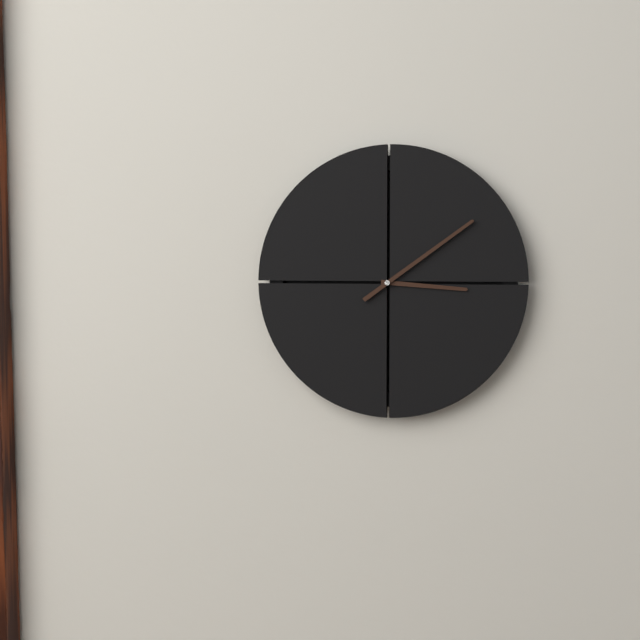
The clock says {"hour": 3, "minute": 9}
